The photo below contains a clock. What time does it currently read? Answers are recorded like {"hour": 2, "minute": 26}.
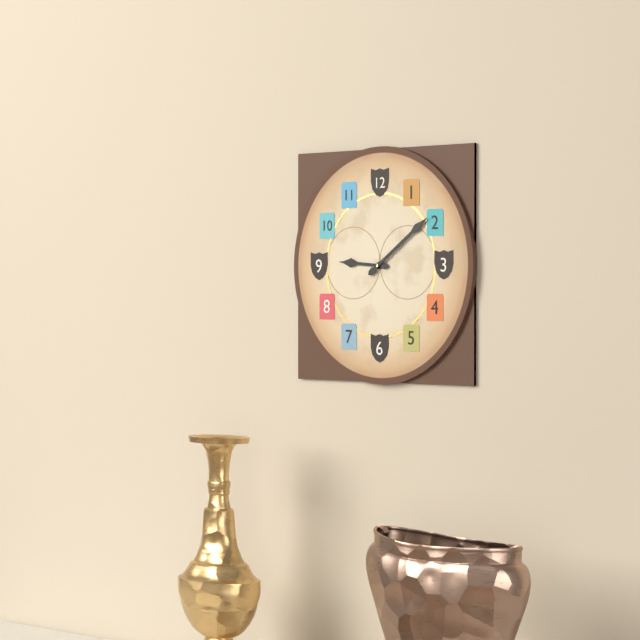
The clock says {"hour": 9, "minute": 9}
